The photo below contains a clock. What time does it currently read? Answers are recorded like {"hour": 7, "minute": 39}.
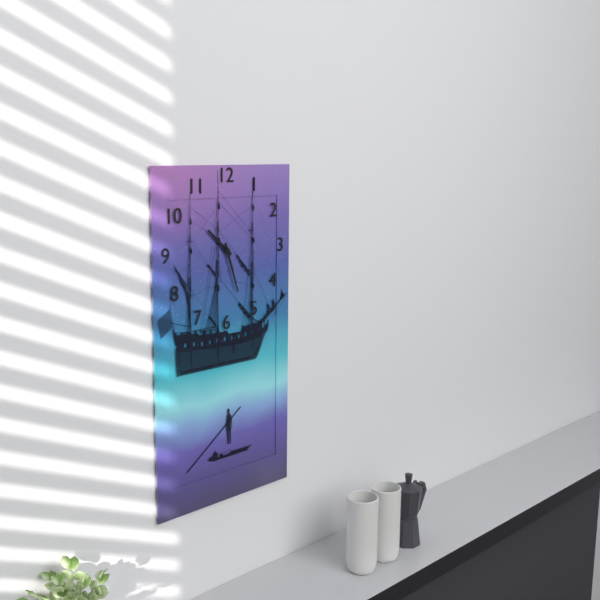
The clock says {"hour": 10, "minute": 27}
